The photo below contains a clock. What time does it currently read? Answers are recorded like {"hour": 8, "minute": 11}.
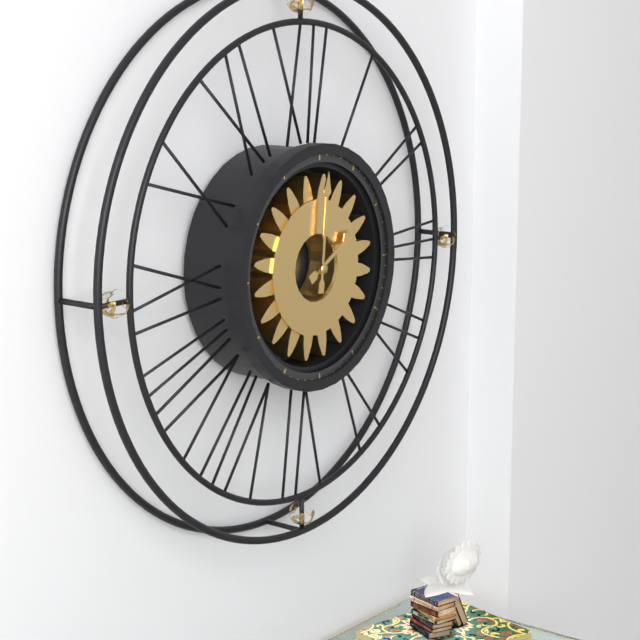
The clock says {"hour": 2, "minute": 1}
